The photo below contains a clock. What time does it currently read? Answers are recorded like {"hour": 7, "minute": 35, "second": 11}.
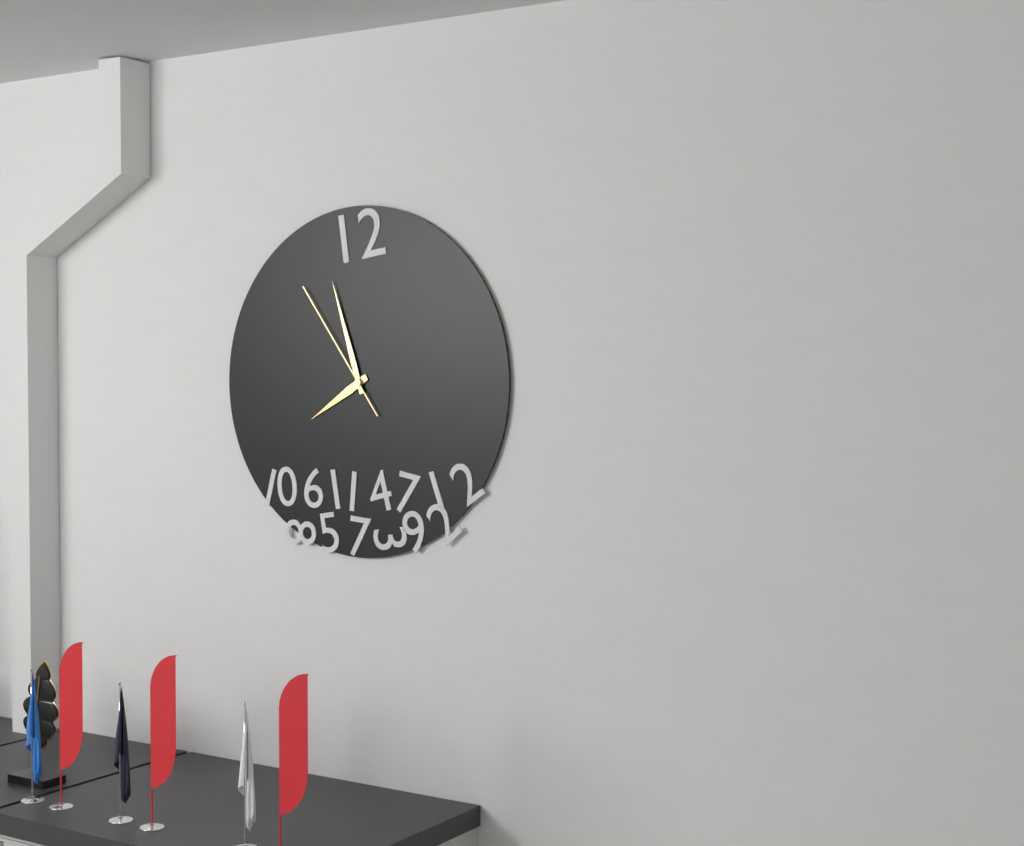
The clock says {"hour": 7, "minute": 57, "second": 54}
